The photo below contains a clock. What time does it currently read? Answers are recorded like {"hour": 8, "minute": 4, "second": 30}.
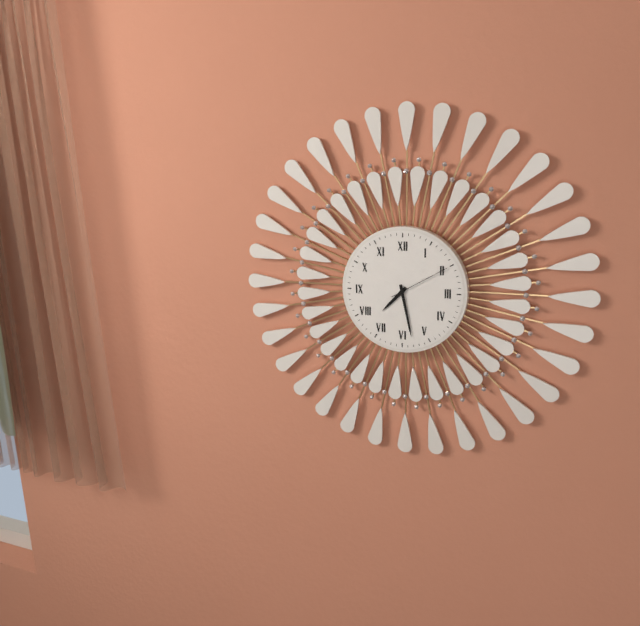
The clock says {"hour": 7, "minute": 28, "second": 10}
